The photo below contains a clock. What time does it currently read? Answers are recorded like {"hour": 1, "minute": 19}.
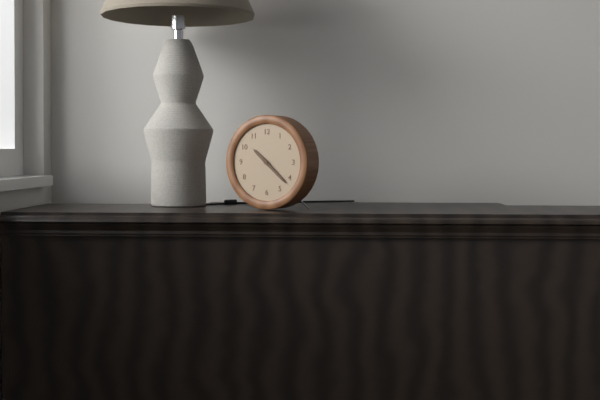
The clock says {"hour": 10, "minute": 22}
